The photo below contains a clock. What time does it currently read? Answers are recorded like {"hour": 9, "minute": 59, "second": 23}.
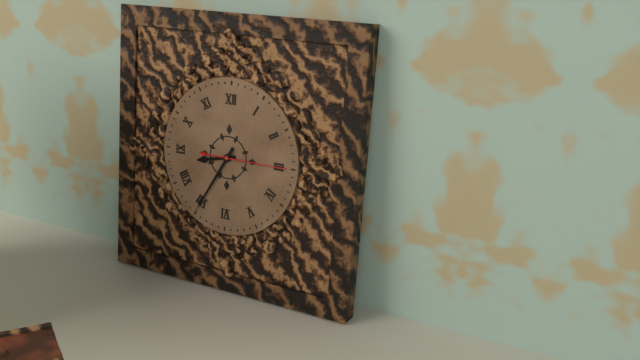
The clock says {"hour": 8, "minute": 35, "second": 15}
